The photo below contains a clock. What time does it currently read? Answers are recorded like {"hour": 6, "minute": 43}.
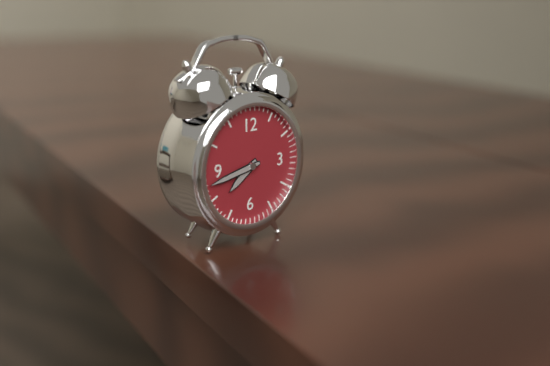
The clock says {"hour": 7, "minute": 43}
